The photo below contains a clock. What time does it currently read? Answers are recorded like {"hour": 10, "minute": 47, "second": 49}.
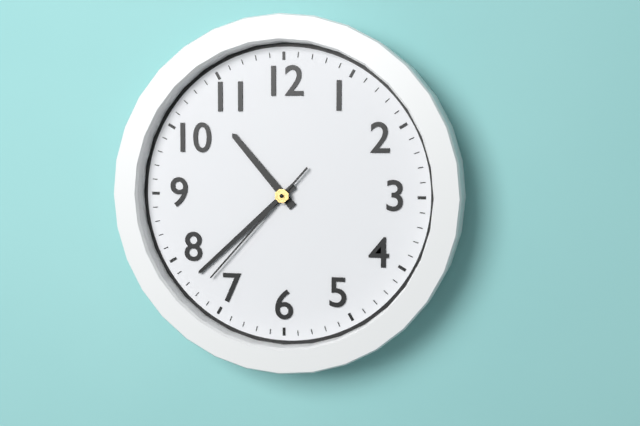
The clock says {"hour": 10, "minute": 38, "second": 37}
